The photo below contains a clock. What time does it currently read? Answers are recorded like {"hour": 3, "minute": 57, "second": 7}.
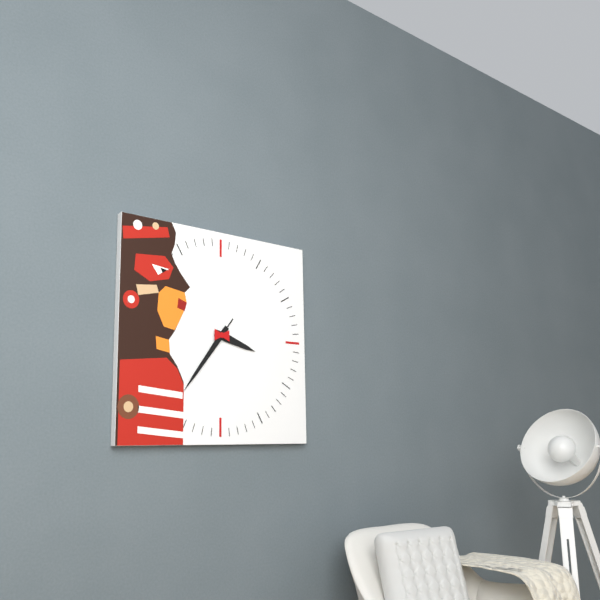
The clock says {"hour": 3, "minute": 36, "second": 36}
